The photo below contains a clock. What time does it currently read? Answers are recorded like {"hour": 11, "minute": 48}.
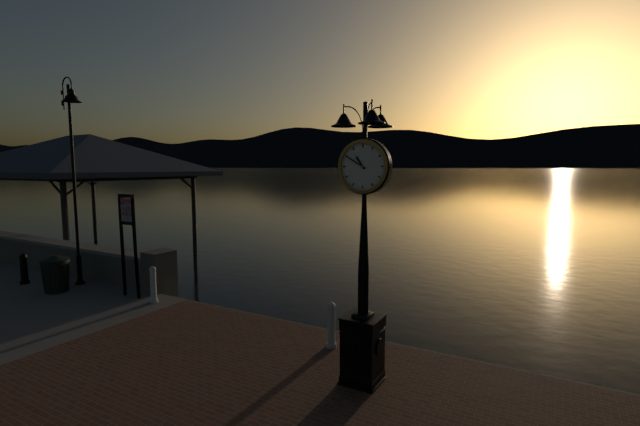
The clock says {"hour": 10, "minute": 50}
